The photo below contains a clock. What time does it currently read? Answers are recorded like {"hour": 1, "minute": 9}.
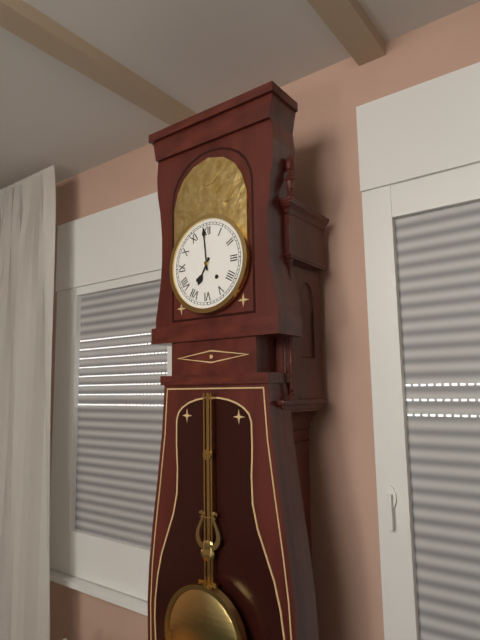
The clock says {"hour": 6, "minute": 59}
